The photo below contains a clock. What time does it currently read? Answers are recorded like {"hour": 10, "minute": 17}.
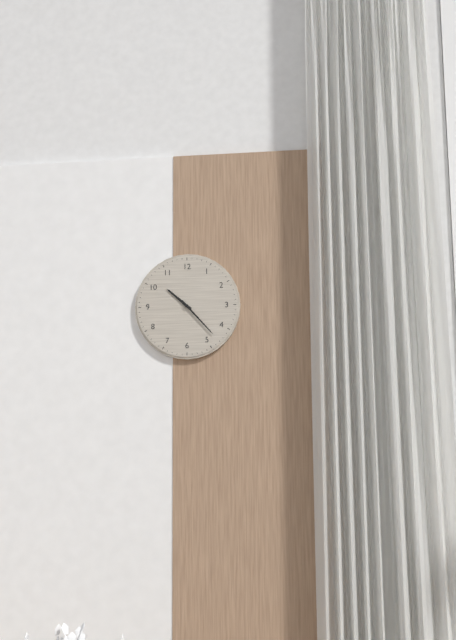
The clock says {"hour": 10, "minute": 23}
